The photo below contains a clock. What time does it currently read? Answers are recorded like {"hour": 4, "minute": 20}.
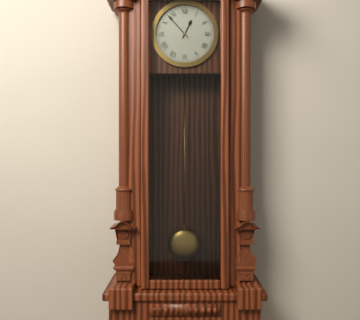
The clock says {"hour": 12, "minute": 53}
